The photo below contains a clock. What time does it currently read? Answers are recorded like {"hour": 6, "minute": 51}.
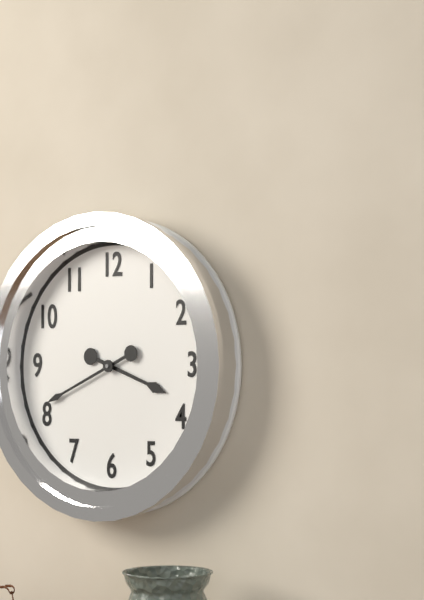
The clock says {"hour": 3, "minute": 41}
